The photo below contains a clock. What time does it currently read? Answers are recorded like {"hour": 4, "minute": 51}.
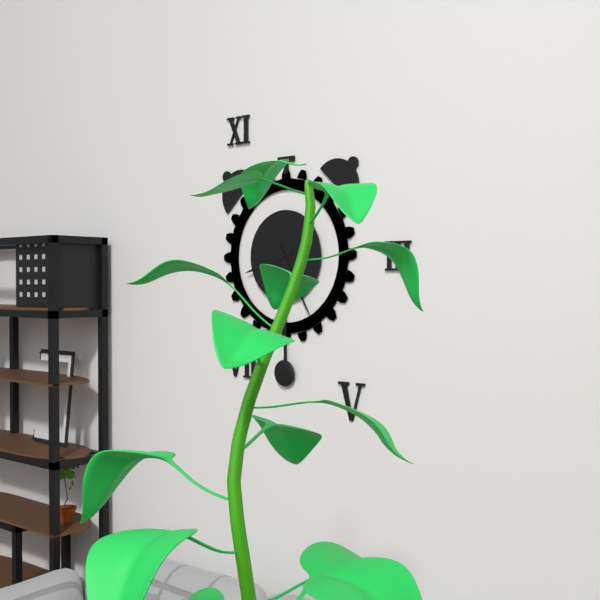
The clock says {"hour": 8, "minute": 25}
